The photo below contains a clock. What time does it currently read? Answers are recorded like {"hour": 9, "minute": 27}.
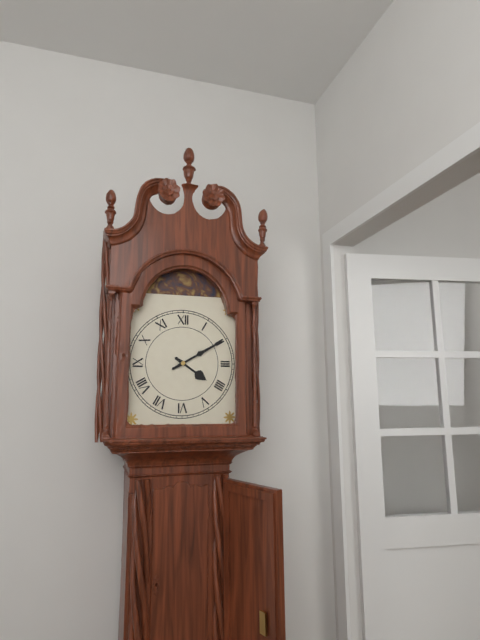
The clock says {"hour": 4, "minute": 10}
